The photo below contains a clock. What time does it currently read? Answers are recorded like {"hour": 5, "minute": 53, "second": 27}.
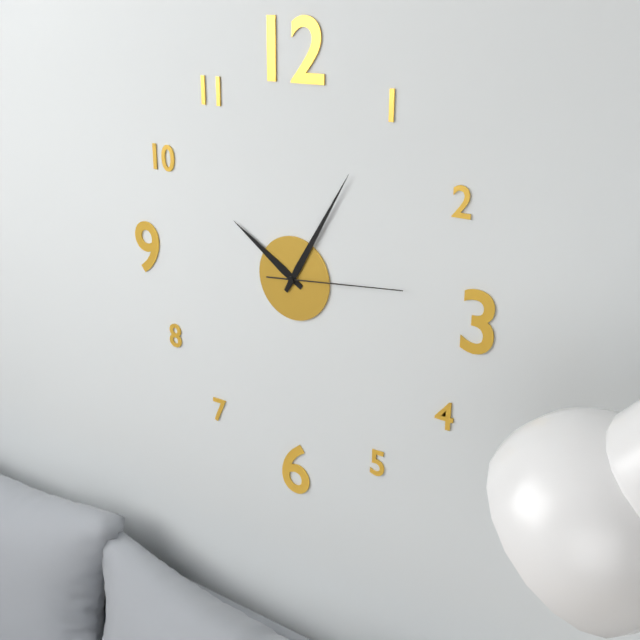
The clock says {"hour": 10, "minute": 5, "second": 14}
